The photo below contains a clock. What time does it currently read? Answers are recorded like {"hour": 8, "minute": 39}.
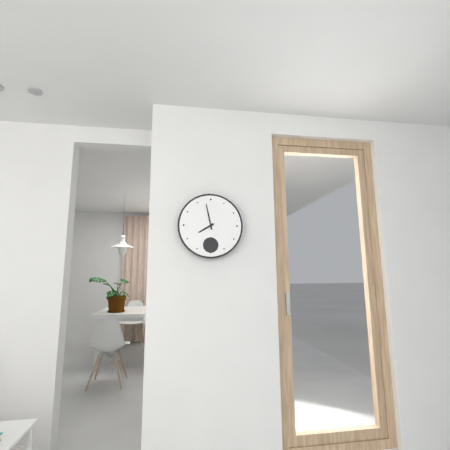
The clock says {"hour": 7, "minute": 58}
